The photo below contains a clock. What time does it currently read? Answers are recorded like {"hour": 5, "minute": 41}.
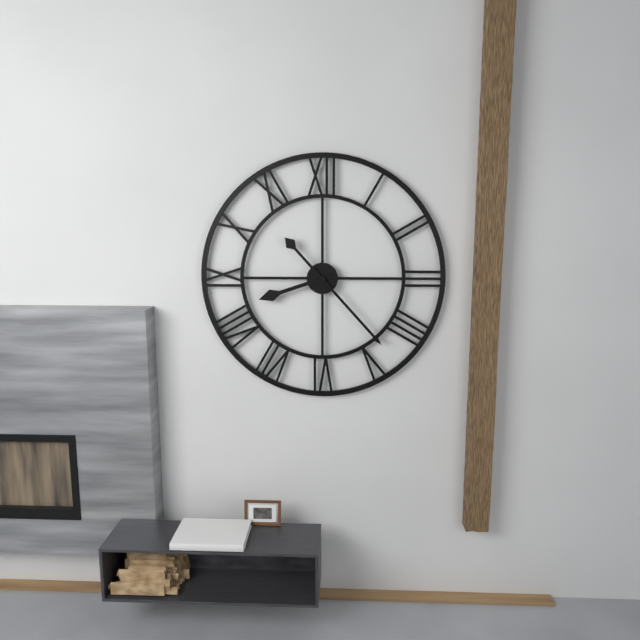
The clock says {"hour": 8, "minute": 23}
